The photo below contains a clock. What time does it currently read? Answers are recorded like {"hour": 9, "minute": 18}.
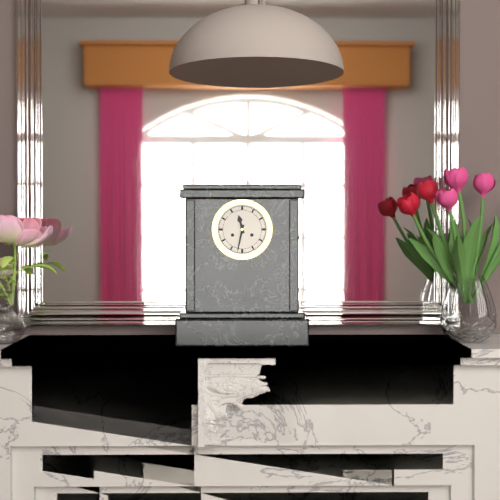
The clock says {"hour": 11, "minute": 32}
